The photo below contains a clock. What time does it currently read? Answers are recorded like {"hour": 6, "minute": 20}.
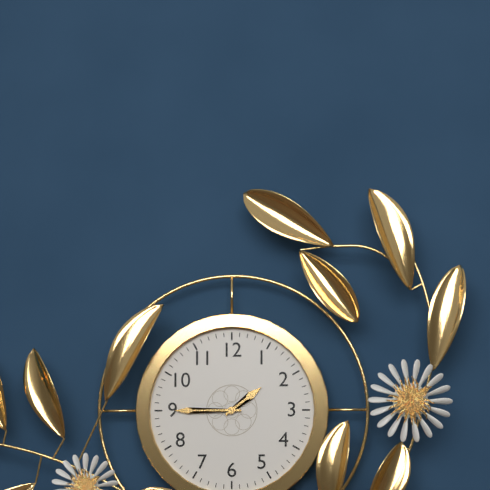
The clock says {"hour": 1, "minute": 45}
